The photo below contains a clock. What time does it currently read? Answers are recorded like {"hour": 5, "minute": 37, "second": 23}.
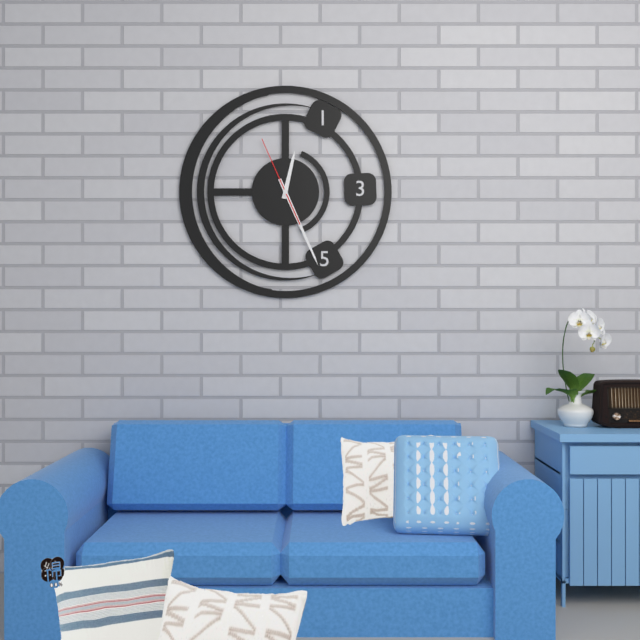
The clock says {"hour": 12, "minute": 26, "second": 56}
